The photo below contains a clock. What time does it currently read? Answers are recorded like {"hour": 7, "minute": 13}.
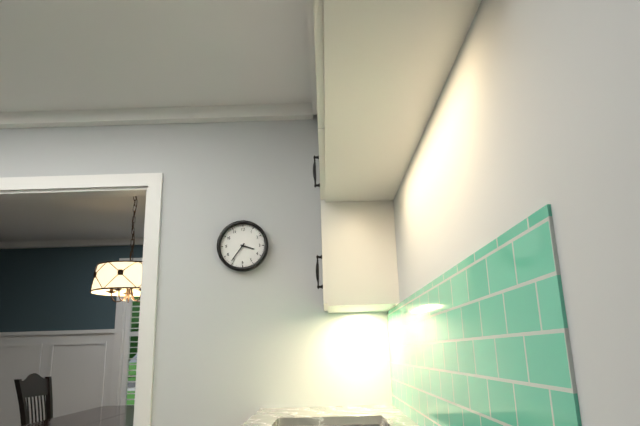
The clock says {"hour": 3, "minute": 36}
